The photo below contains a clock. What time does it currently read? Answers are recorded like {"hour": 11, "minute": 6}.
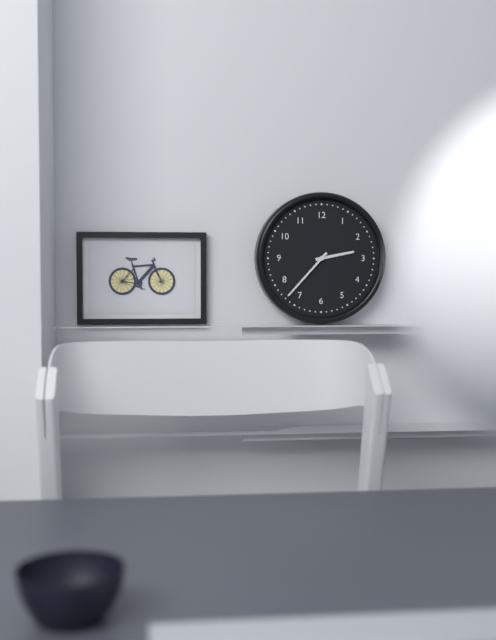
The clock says {"hour": 2, "minute": 37}
